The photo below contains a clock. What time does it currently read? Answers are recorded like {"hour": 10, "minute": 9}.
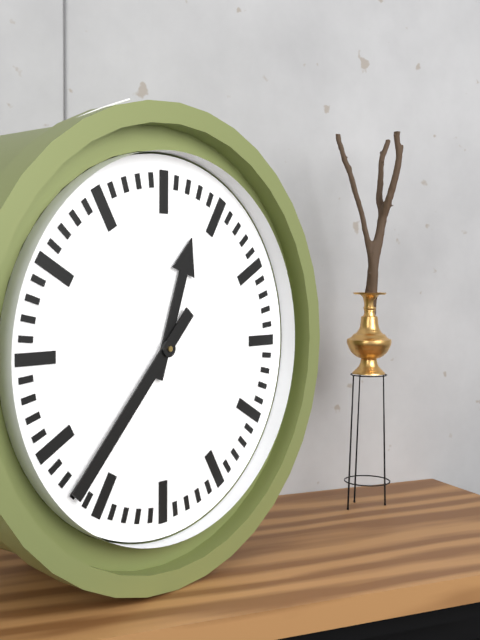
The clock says {"hour": 12, "minute": 37}
